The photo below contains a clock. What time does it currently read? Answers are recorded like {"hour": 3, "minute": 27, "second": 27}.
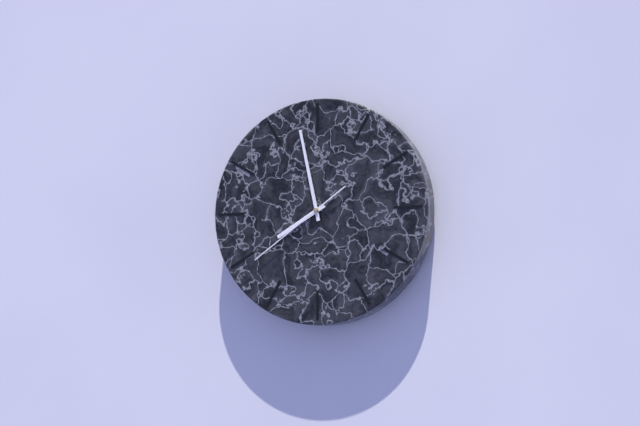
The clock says {"hour": 7, "minute": 58, "second": 39}
